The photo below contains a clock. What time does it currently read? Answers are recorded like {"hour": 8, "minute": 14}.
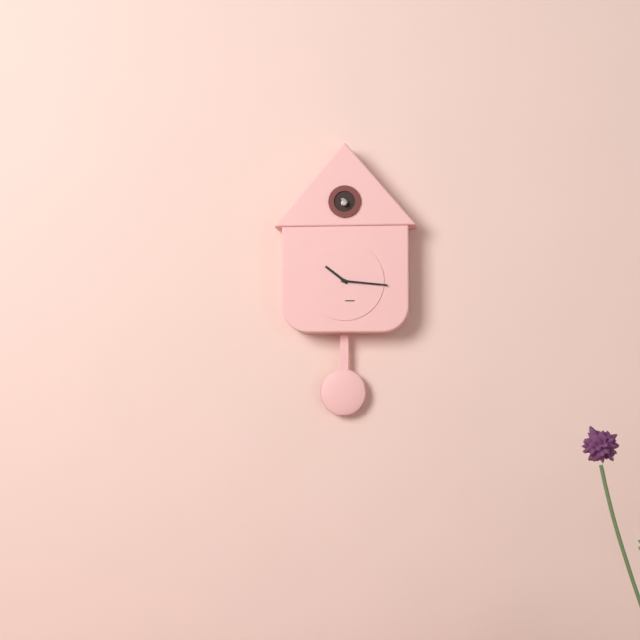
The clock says {"hour": 10, "minute": 16}
